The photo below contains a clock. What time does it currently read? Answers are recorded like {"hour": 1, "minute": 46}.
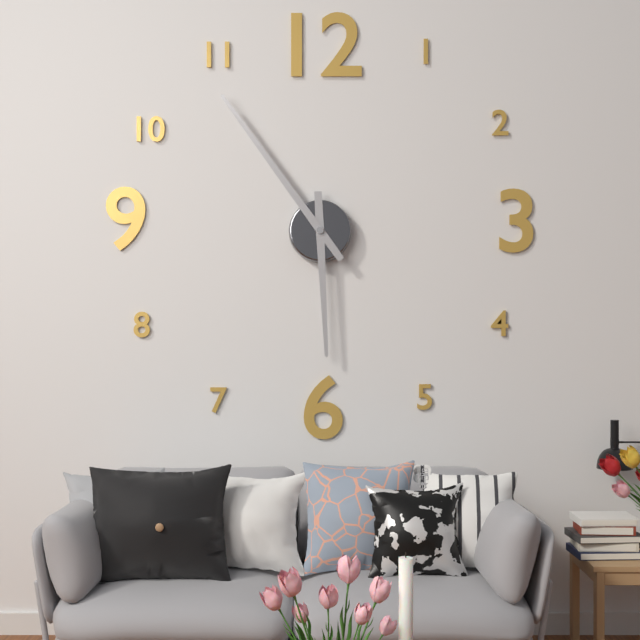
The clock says {"hour": 5, "minute": 54}
